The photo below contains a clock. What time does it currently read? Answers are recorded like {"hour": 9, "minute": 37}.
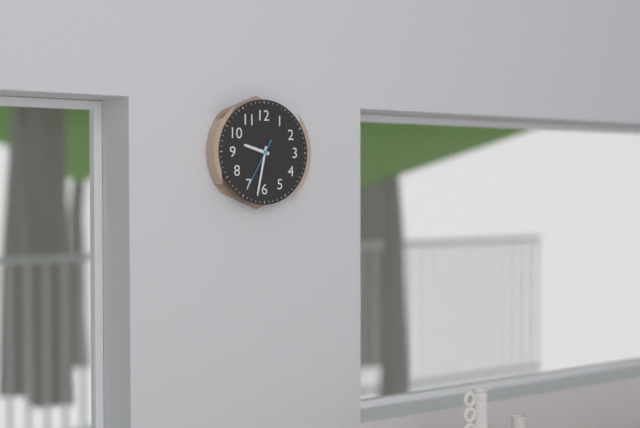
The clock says {"hour": 9, "minute": 32}
